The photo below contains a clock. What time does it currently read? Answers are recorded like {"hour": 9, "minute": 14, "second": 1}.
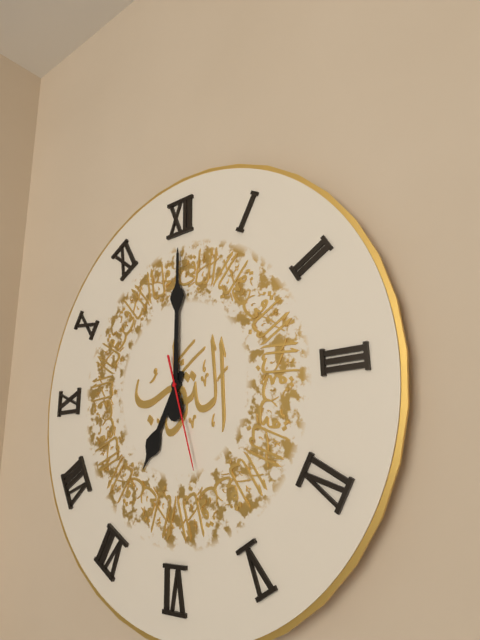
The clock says {"hour": 7, "minute": 0, "second": 27}
